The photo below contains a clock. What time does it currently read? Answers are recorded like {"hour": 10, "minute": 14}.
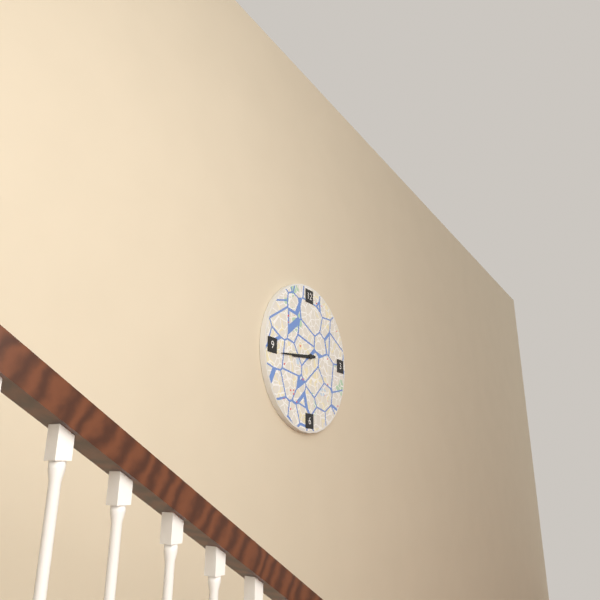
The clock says {"hour": 8, "minute": 44}
